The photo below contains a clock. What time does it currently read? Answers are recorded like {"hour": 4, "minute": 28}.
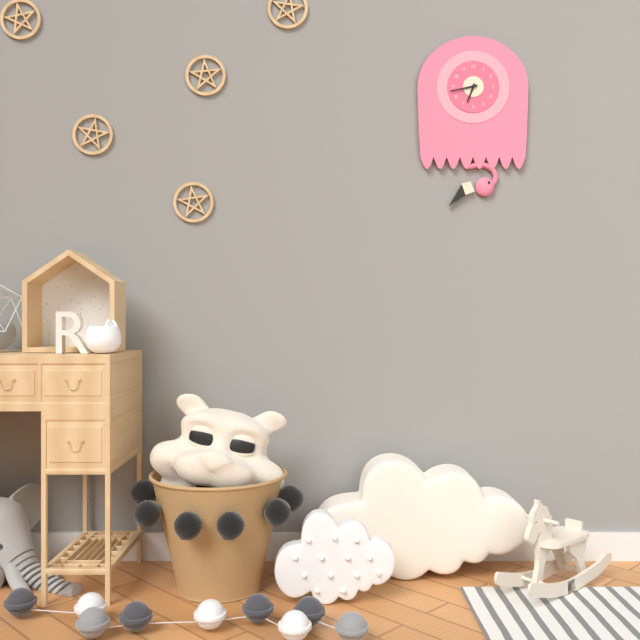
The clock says {"hour": 6, "minute": 43}
